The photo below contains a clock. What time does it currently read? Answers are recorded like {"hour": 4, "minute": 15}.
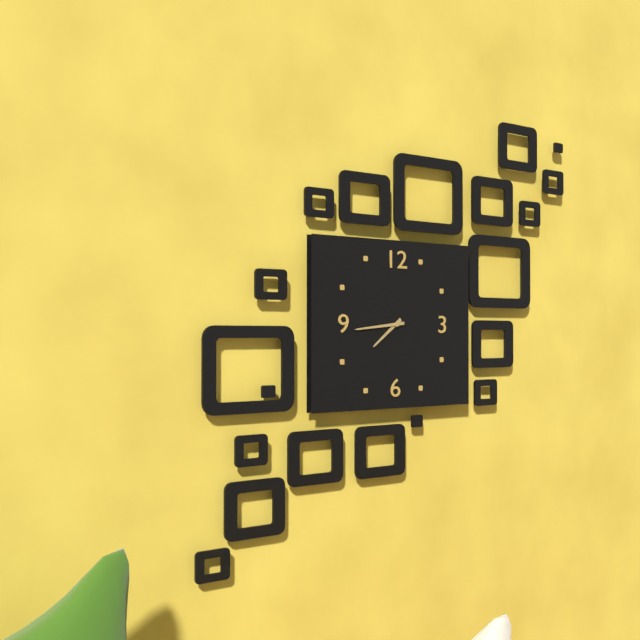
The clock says {"hour": 7, "minute": 44}
